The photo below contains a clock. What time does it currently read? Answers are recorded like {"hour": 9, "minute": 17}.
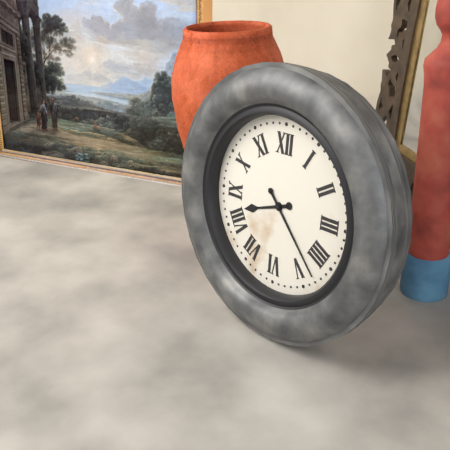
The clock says {"hour": 8, "minute": 23}
